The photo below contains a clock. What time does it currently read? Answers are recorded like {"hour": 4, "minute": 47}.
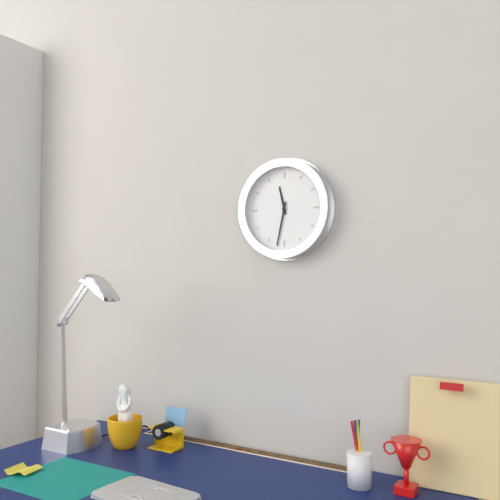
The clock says {"hour": 11, "minute": 32}
